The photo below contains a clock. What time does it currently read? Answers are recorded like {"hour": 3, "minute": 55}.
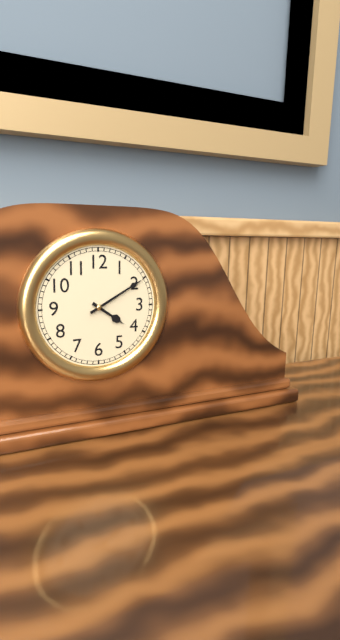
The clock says {"hour": 4, "minute": 10}
